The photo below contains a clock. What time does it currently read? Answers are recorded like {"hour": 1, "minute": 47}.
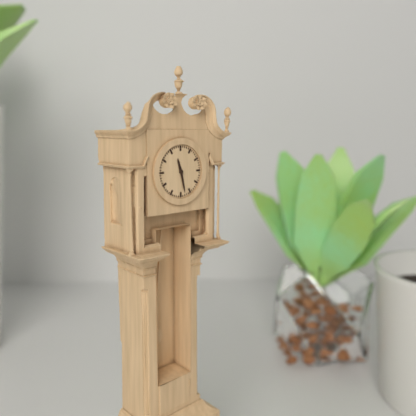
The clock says {"hour": 11, "minute": 28}
